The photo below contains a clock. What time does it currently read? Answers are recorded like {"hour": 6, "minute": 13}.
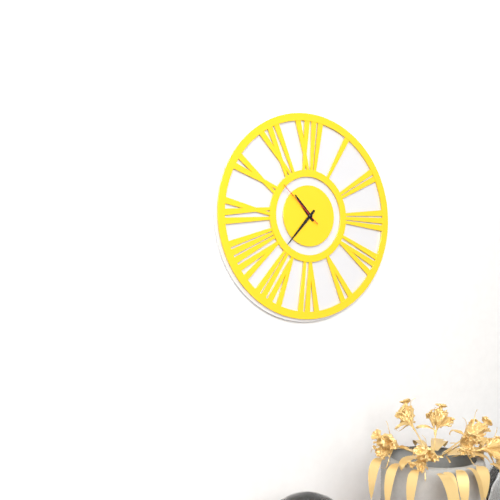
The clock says {"hour": 10, "minute": 37}
